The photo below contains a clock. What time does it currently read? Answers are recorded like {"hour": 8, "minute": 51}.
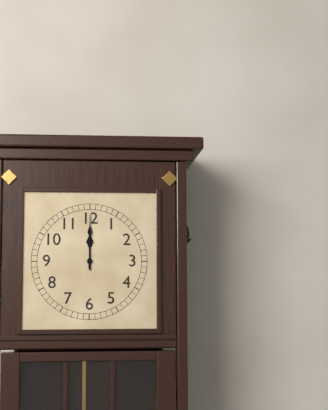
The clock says {"hour": 12, "minute": 0}
